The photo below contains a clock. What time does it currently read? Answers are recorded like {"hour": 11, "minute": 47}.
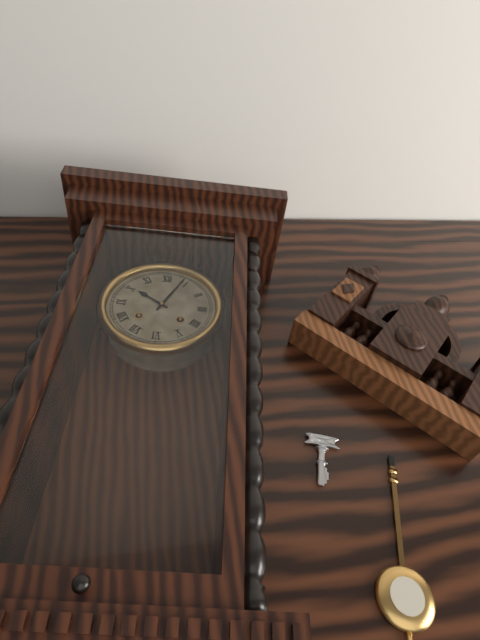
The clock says {"hour": 10, "minute": 4}
